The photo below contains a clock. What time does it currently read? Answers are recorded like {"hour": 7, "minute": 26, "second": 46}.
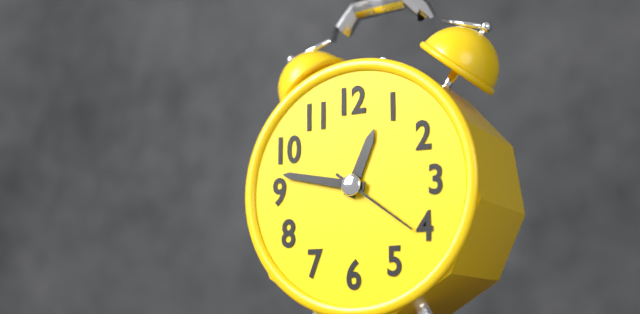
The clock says {"hour": 12, "minute": 47, "second": 21}
